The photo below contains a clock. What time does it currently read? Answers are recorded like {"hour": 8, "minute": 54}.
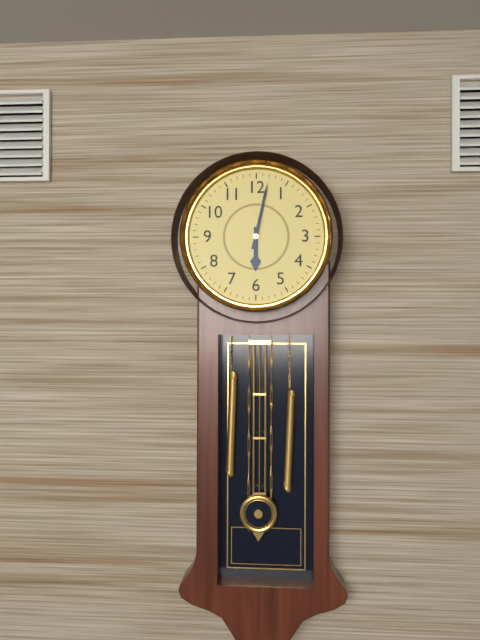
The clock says {"hour": 6, "minute": 2}
